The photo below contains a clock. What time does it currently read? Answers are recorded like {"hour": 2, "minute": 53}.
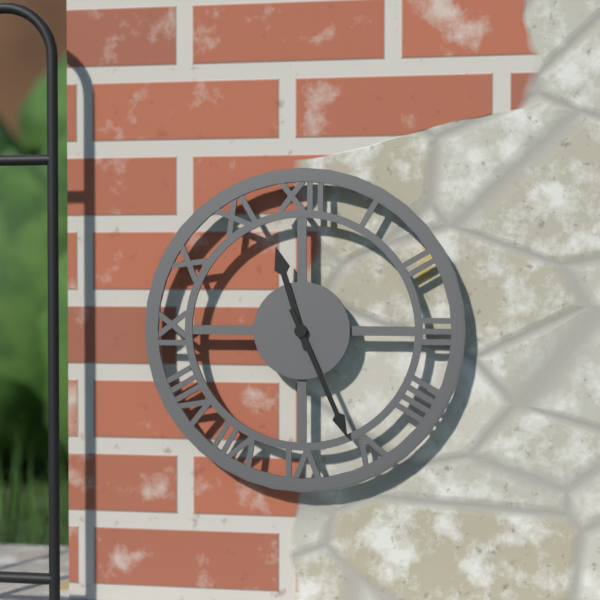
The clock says {"hour": 11, "minute": 26}
